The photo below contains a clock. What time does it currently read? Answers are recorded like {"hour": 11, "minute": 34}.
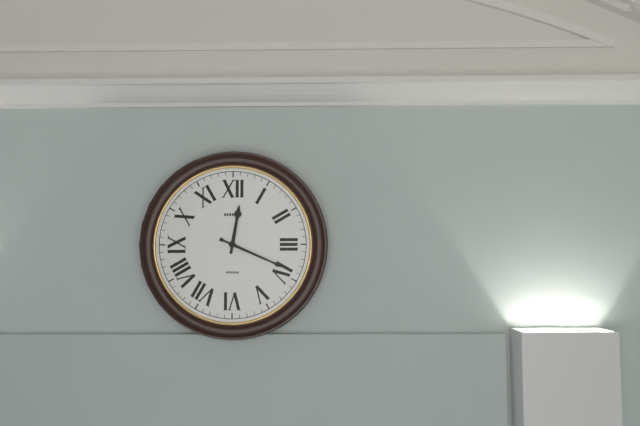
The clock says {"hour": 12, "minute": 19}
